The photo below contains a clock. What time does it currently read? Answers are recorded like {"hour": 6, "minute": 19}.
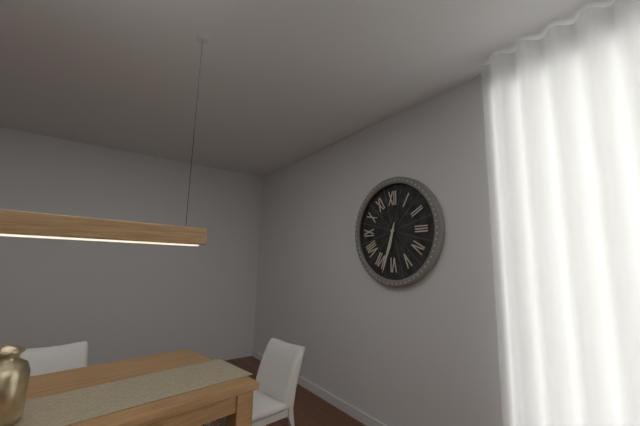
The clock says {"hour": 6, "minute": 33}
